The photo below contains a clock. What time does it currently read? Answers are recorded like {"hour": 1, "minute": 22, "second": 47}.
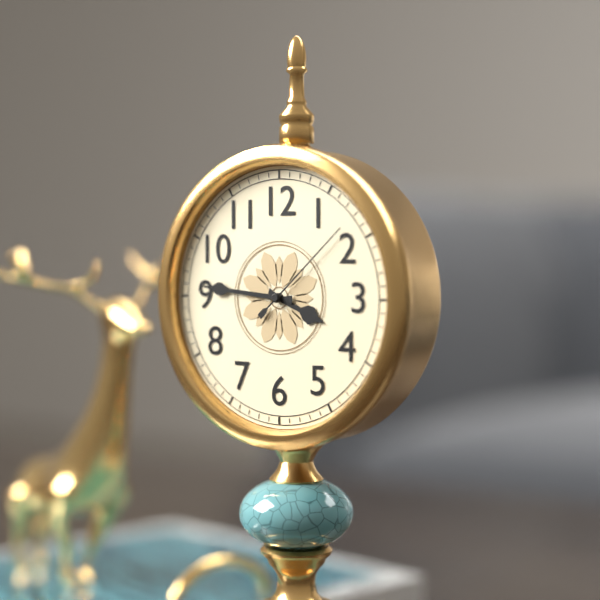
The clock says {"hour": 3, "minute": 46, "second": 8}
